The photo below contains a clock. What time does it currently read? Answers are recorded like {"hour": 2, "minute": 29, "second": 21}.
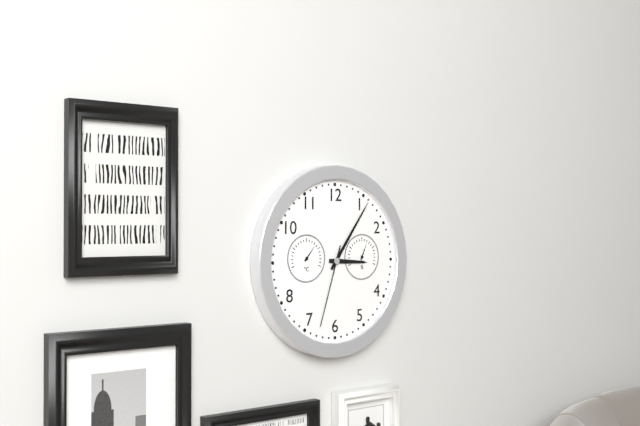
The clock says {"hour": 3, "minute": 6, "second": 33}
